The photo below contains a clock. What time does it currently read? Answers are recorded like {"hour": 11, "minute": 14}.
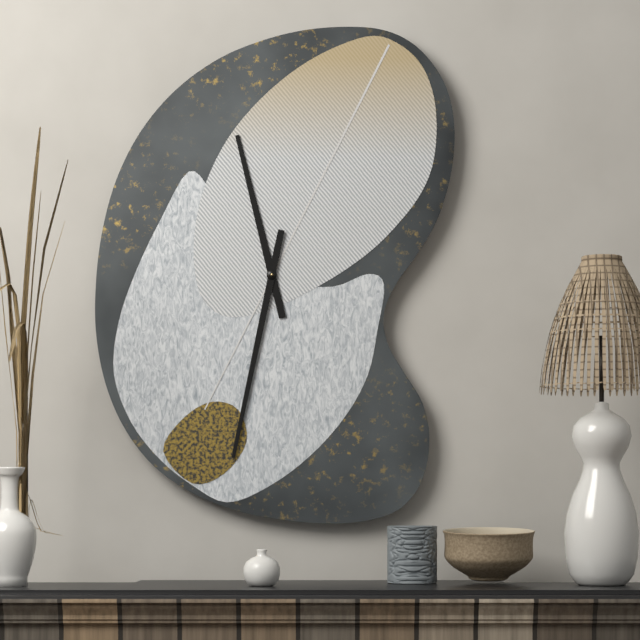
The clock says {"hour": 11, "minute": 32}
